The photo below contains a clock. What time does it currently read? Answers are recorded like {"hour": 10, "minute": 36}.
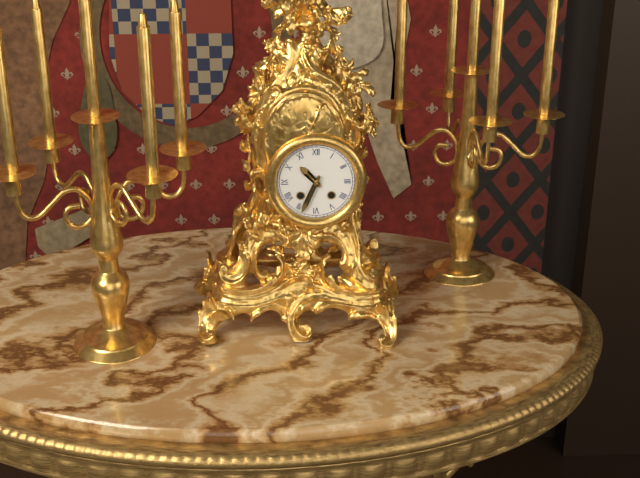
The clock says {"hour": 10, "minute": 34}
